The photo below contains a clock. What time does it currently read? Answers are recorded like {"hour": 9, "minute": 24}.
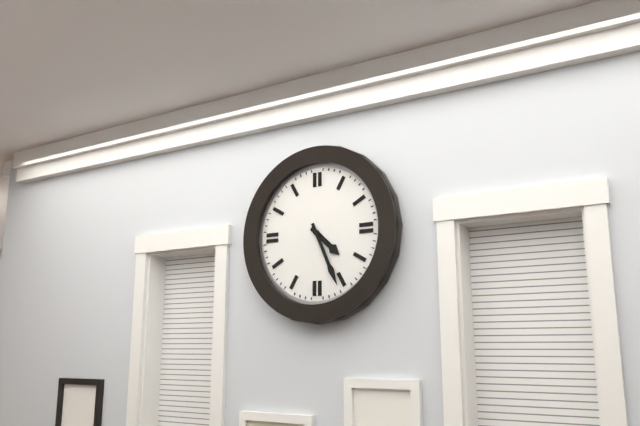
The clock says {"hour": 4, "minute": 26}
